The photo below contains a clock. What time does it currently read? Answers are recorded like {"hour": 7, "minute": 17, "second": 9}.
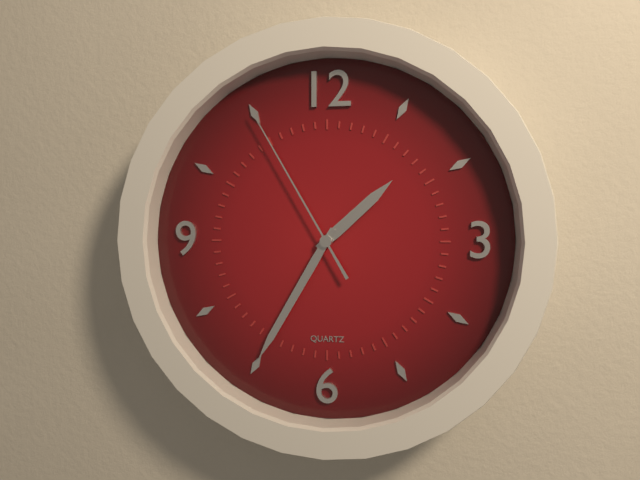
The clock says {"hour": 1, "minute": 35, "second": 55}
